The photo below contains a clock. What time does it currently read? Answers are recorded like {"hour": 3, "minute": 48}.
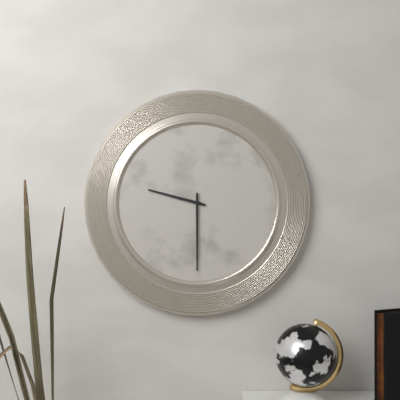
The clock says {"hour": 9, "minute": 30}
